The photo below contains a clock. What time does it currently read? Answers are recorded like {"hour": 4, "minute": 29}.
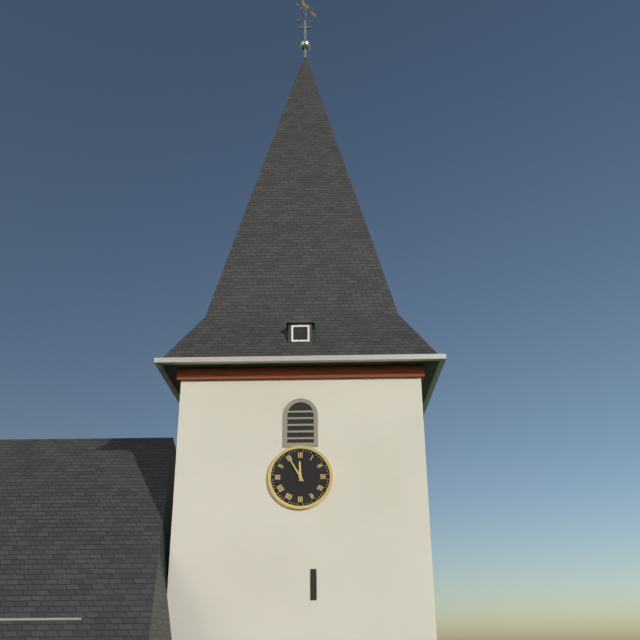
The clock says {"hour": 11, "minute": 55}
